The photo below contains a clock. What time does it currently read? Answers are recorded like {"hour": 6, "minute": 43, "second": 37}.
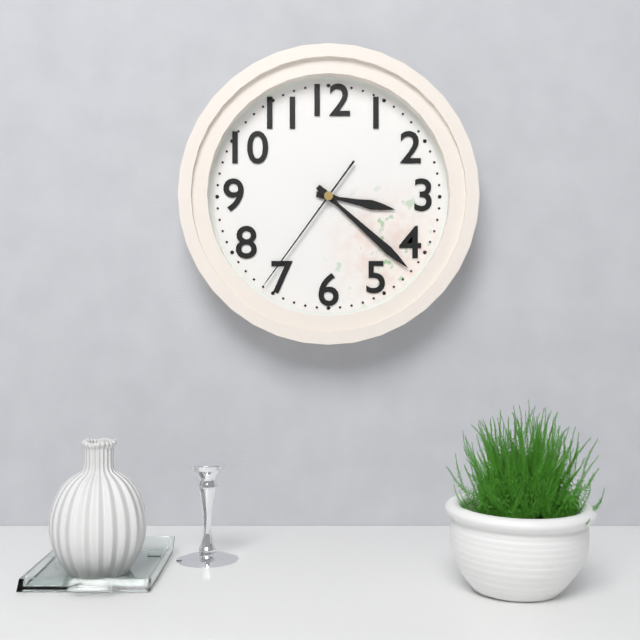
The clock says {"hour": 3, "minute": 22, "second": 36}
